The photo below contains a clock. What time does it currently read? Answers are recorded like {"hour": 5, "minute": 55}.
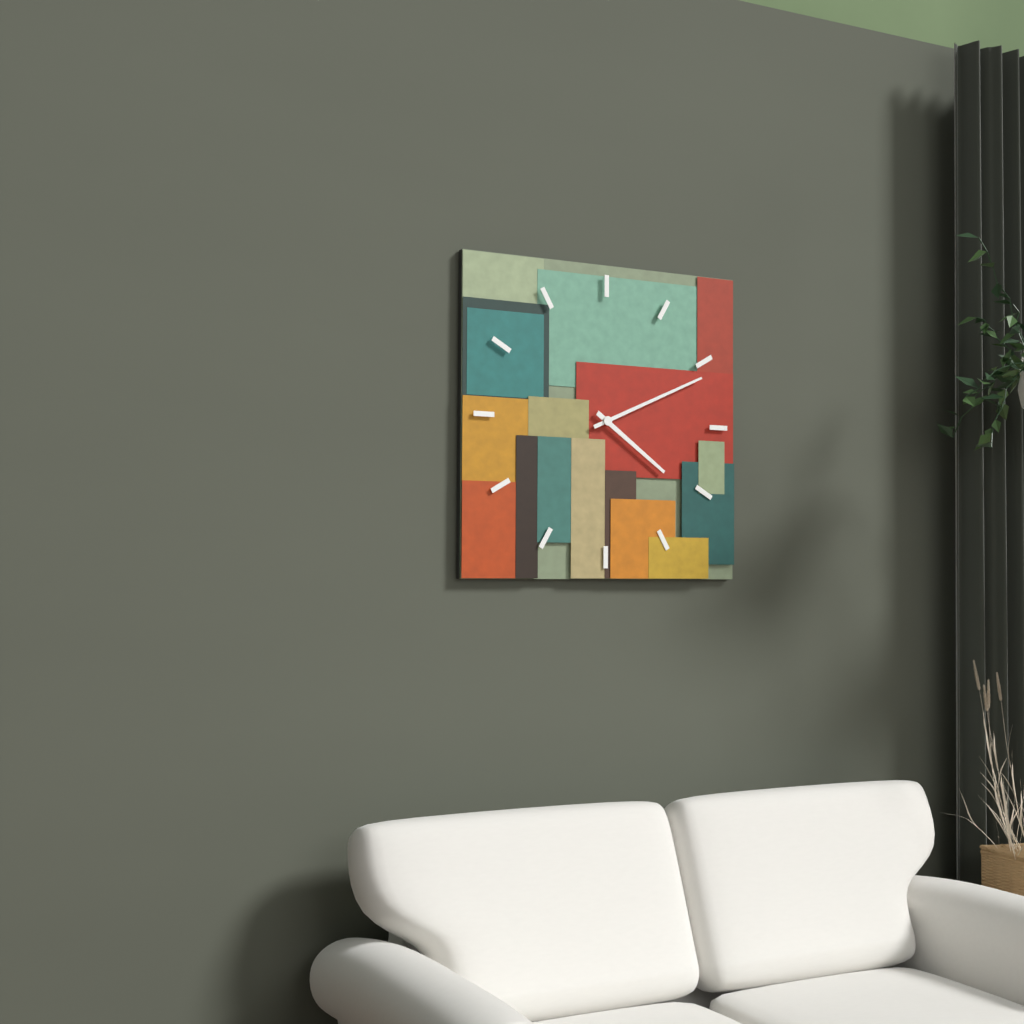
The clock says {"hour": 4, "minute": 11}
